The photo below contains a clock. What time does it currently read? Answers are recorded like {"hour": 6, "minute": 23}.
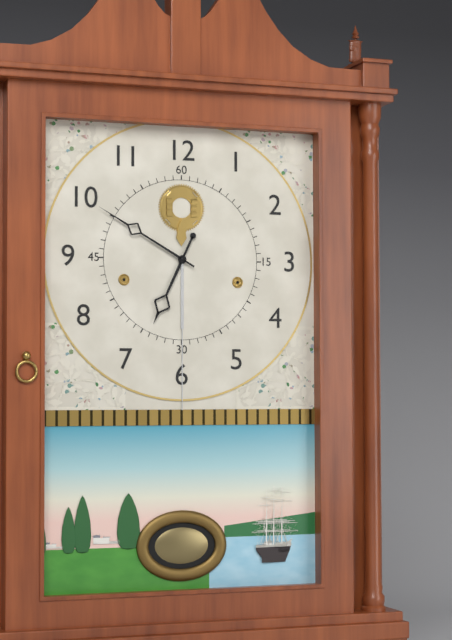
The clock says {"hour": 6, "minute": 50}
